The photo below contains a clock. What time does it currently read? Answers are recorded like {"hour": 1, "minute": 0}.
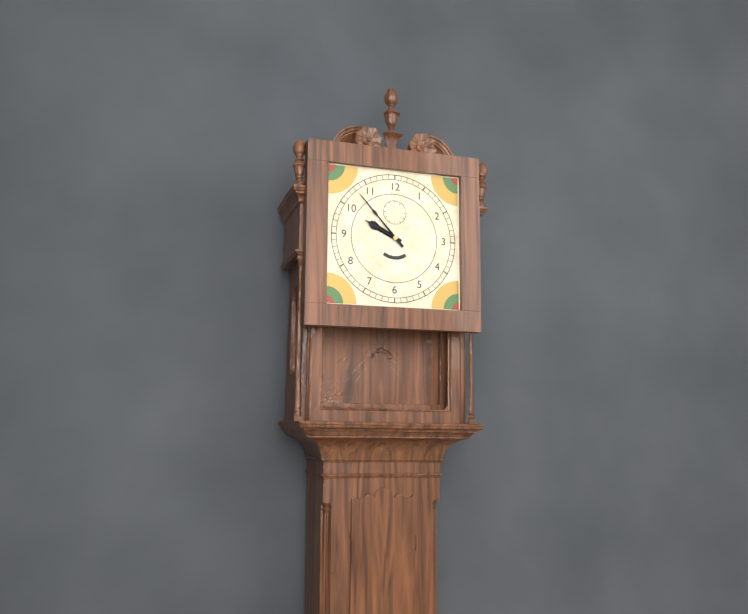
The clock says {"hour": 9, "minute": 53}
